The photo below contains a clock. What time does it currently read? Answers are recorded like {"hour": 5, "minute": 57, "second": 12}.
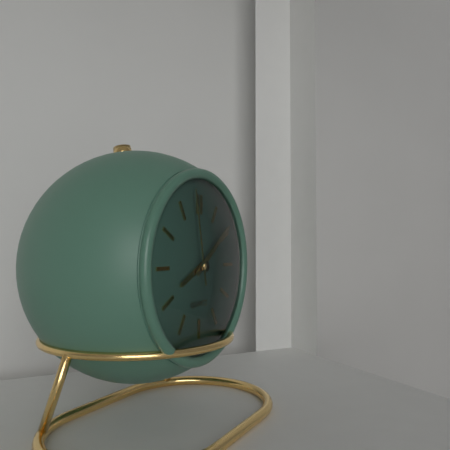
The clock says {"hour": 8, "minute": 9, "second": 58}
